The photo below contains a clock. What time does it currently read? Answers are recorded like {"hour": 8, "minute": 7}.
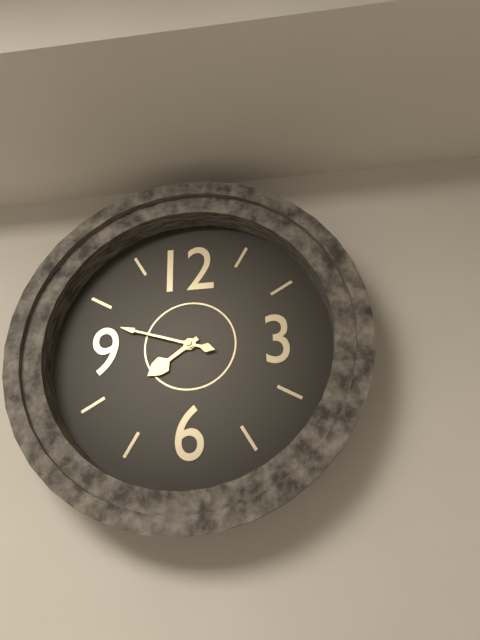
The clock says {"hour": 7, "minute": 48}
